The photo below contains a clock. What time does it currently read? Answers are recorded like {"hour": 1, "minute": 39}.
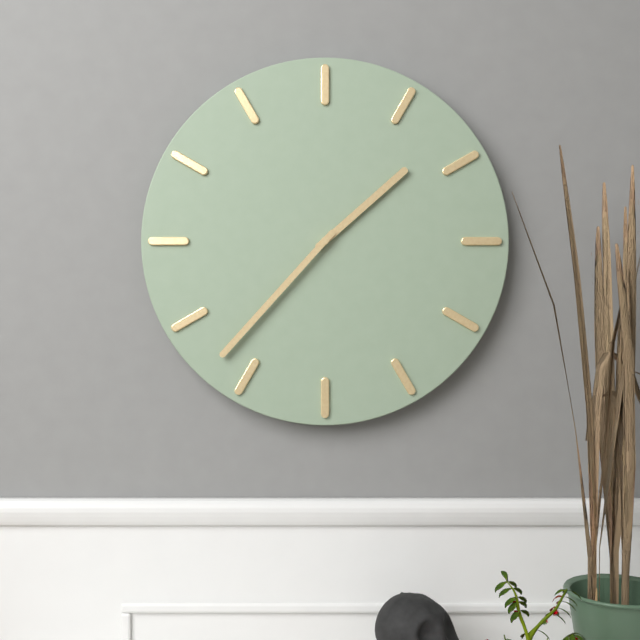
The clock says {"hour": 1, "minute": 37}
